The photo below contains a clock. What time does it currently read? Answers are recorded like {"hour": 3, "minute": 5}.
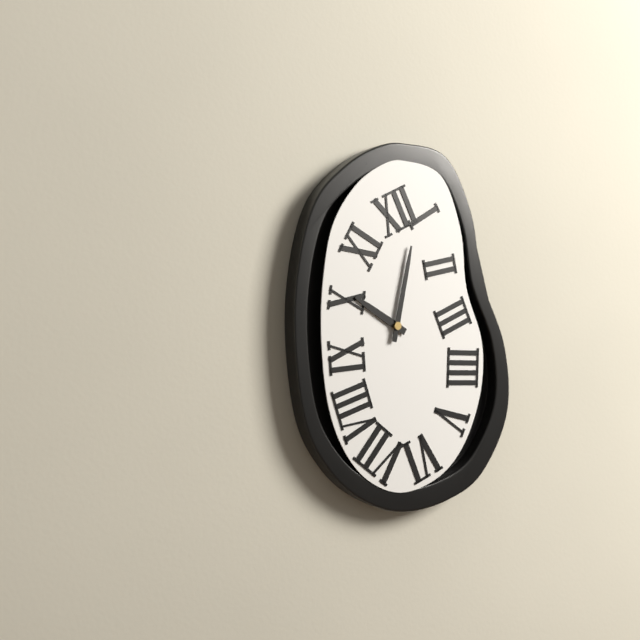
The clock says {"hour": 10, "minute": 2}
